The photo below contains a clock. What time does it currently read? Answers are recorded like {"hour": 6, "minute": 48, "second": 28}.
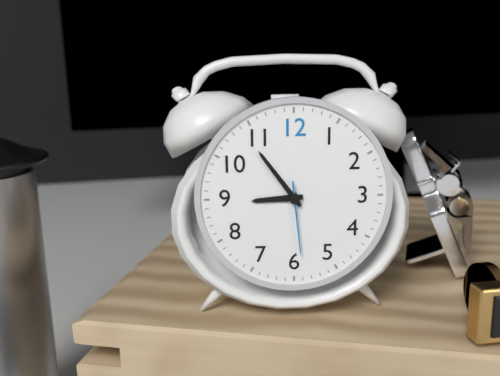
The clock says {"hour": 8, "minute": 54, "second": 29}
